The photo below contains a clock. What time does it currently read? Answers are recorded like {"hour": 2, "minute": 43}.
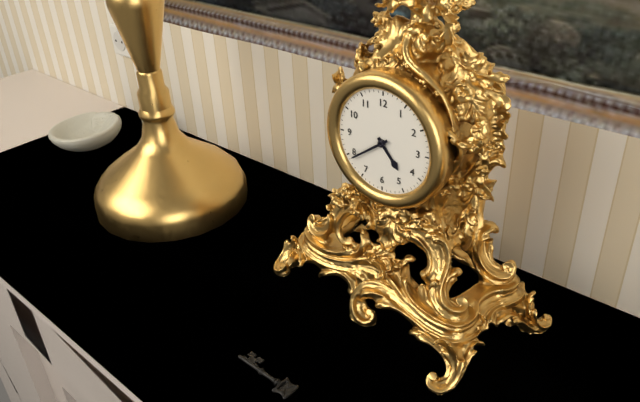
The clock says {"hour": 4, "minute": 39}
